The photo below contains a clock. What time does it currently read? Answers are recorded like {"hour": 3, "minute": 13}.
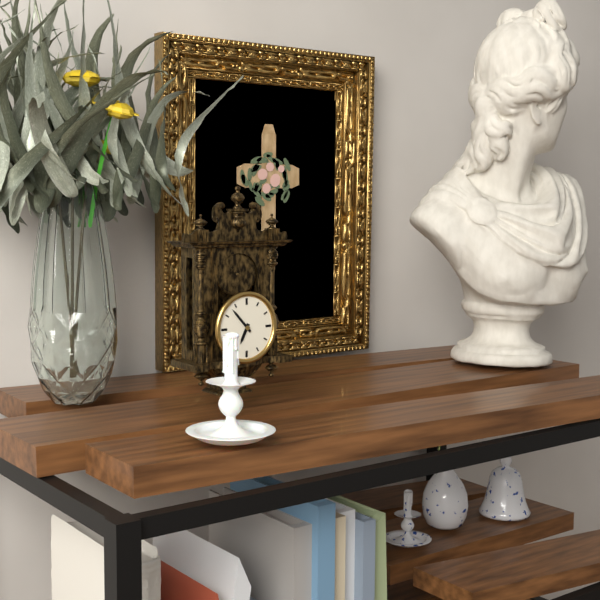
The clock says {"hour": 6, "minute": 53}
